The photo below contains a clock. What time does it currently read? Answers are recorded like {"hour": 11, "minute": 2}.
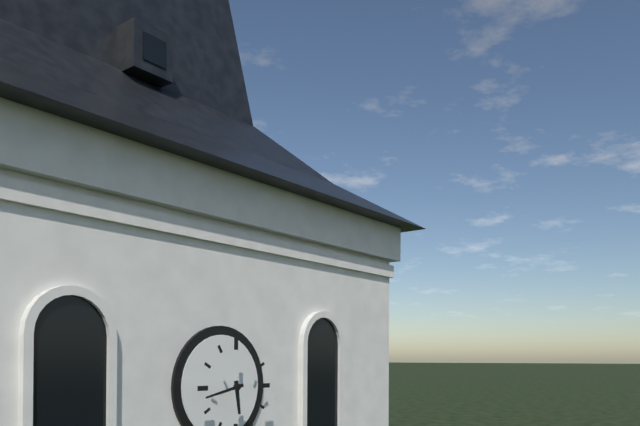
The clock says {"hour": 5, "minute": 43}
